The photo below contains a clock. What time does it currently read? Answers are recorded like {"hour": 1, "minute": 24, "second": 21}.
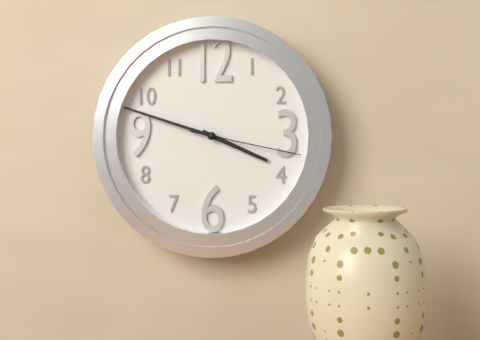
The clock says {"hour": 3, "minute": 48, "second": 17}
